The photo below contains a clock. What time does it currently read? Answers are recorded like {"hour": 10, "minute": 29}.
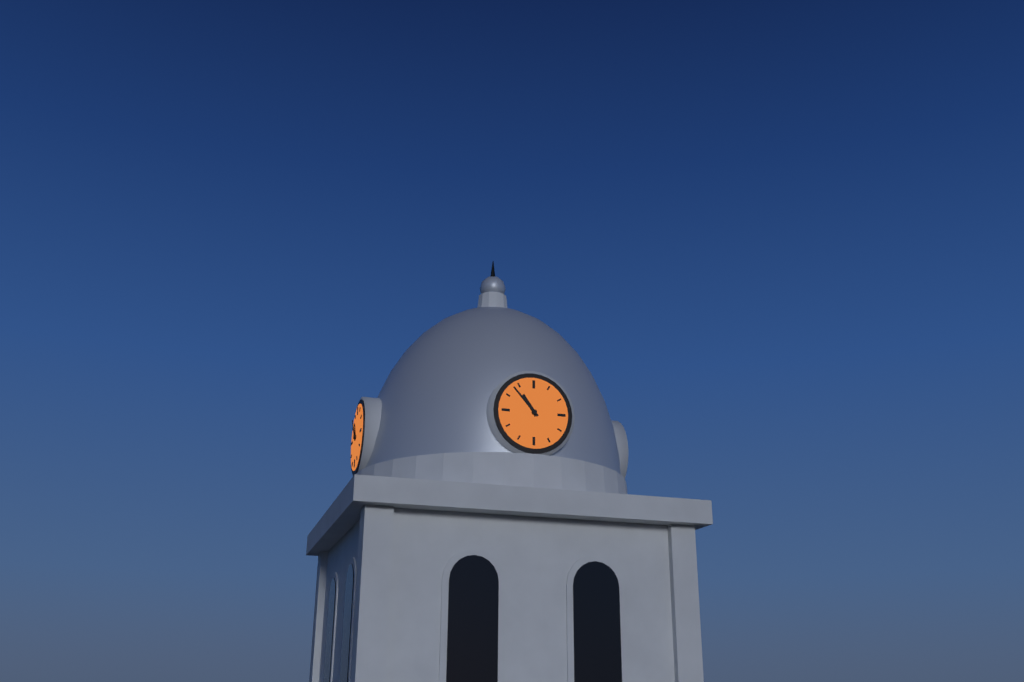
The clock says {"hour": 10, "minute": 53}
